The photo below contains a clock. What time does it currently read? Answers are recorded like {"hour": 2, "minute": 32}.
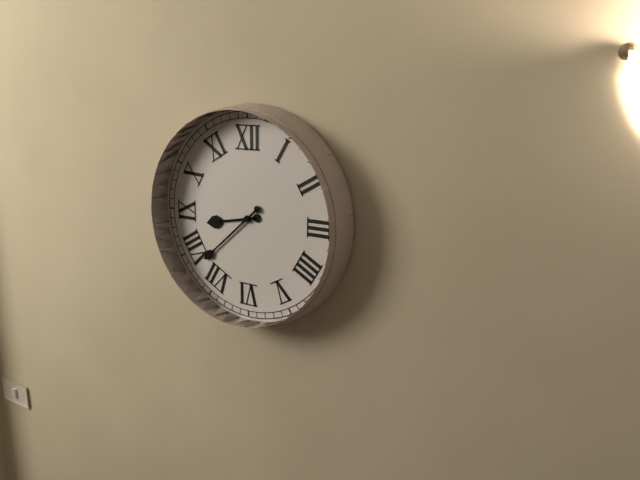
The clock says {"hour": 8, "minute": 38}
